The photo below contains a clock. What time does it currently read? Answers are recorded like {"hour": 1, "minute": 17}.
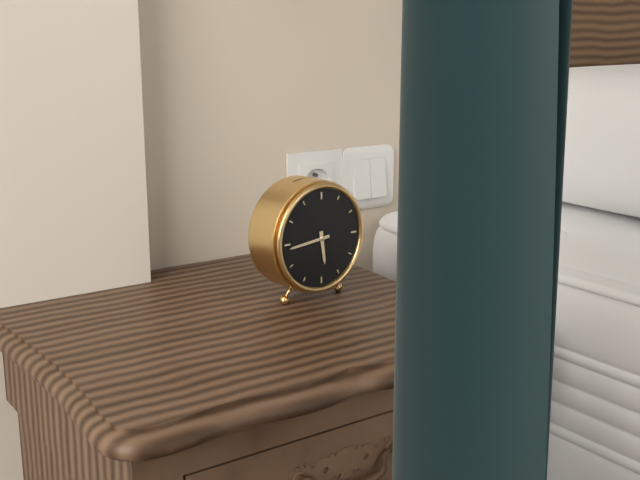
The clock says {"hour": 5, "minute": 44}
